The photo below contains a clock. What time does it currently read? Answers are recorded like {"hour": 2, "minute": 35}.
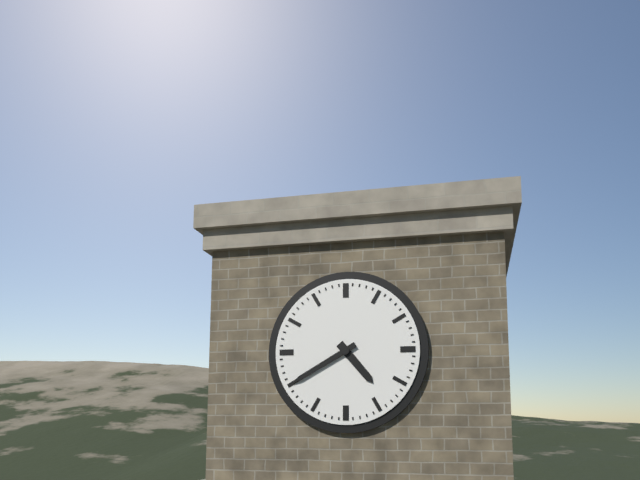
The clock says {"hour": 4, "minute": 40}
